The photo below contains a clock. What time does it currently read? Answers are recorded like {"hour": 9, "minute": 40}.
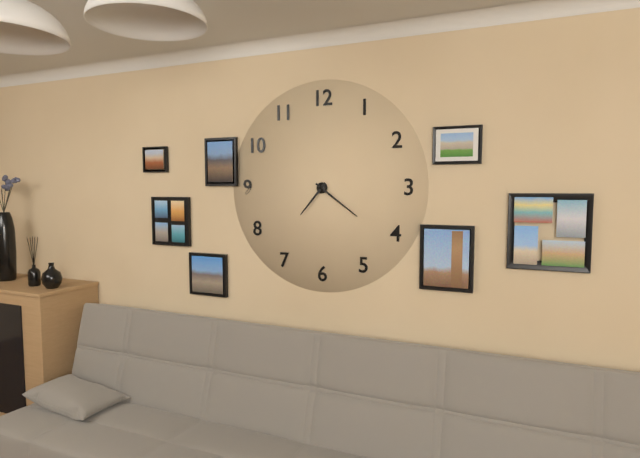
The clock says {"hour": 7, "minute": 21}
